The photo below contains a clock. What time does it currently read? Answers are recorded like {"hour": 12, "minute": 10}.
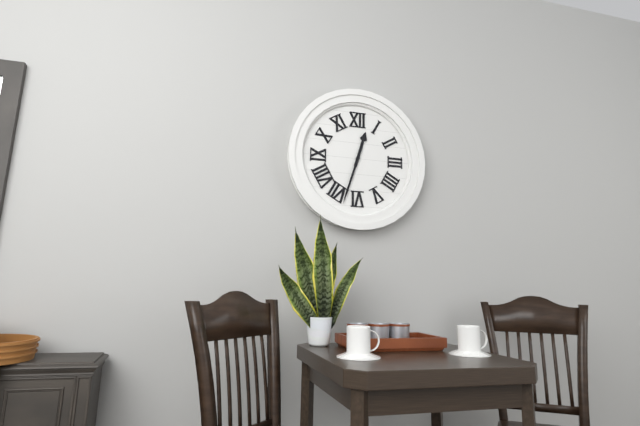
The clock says {"hour": 12, "minute": 33}
